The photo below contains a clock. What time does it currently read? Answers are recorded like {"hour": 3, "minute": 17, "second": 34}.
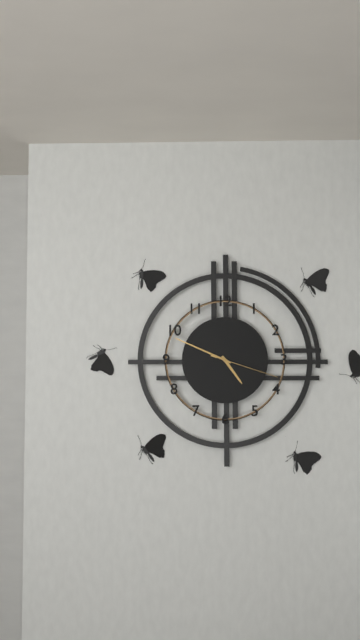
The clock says {"hour": 4, "minute": 49, "second": 18}
